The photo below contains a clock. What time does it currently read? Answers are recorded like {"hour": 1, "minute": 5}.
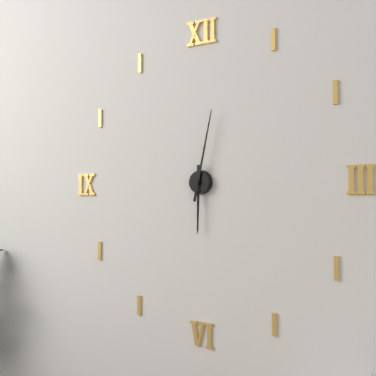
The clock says {"hour": 6, "minute": 2}
